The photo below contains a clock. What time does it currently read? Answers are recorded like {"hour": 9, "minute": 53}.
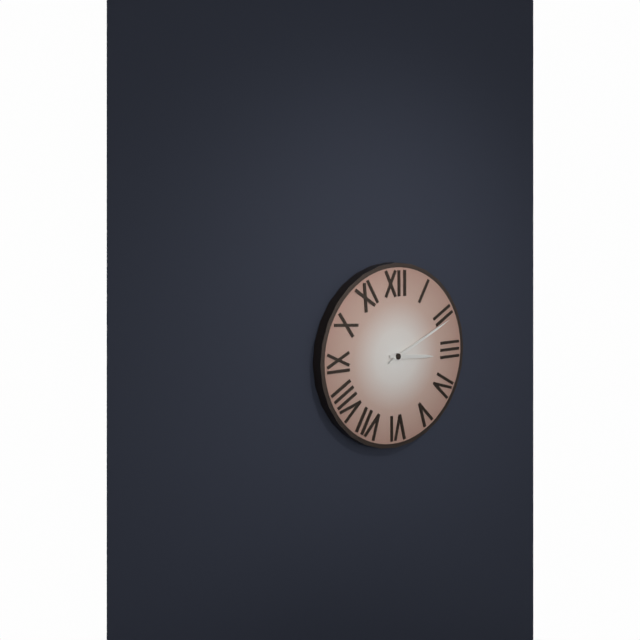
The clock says {"hour": 3, "minute": 11}
